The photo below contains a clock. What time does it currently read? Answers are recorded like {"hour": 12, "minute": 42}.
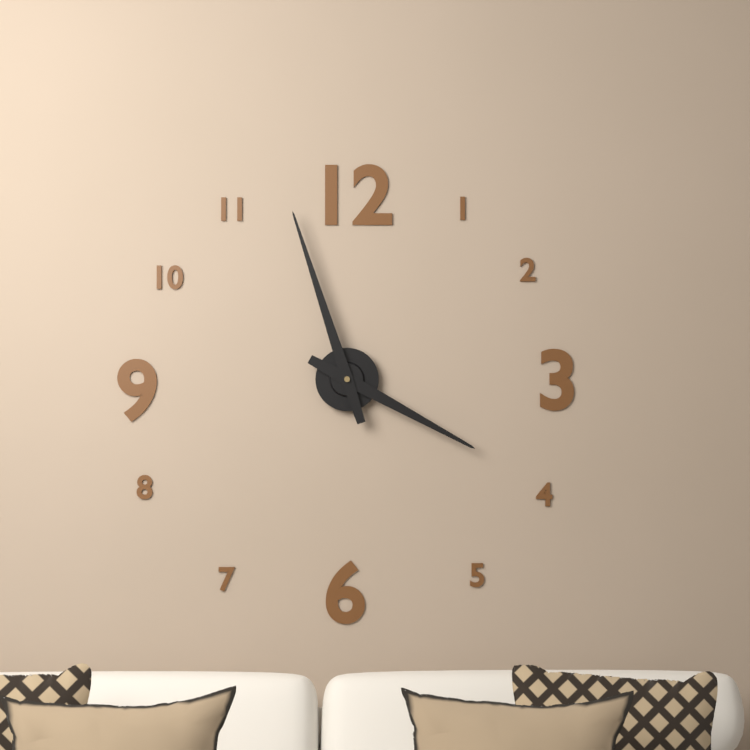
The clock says {"hour": 3, "minute": 57}
